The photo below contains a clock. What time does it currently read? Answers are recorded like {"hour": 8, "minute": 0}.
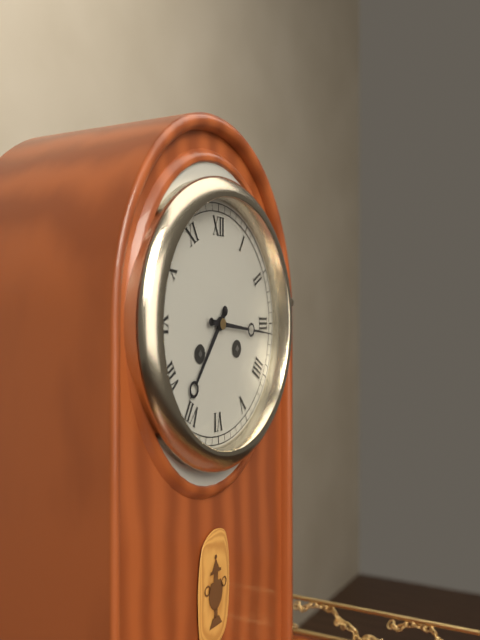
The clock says {"hour": 7, "minute": 16}
